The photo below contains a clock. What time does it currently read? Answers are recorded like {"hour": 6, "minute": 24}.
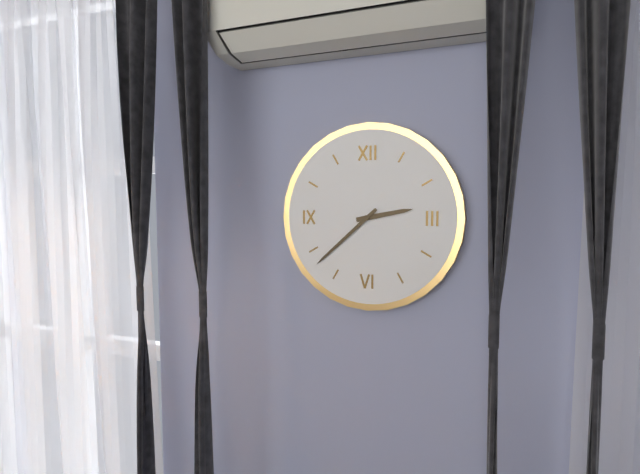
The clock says {"hour": 2, "minute": 38}
